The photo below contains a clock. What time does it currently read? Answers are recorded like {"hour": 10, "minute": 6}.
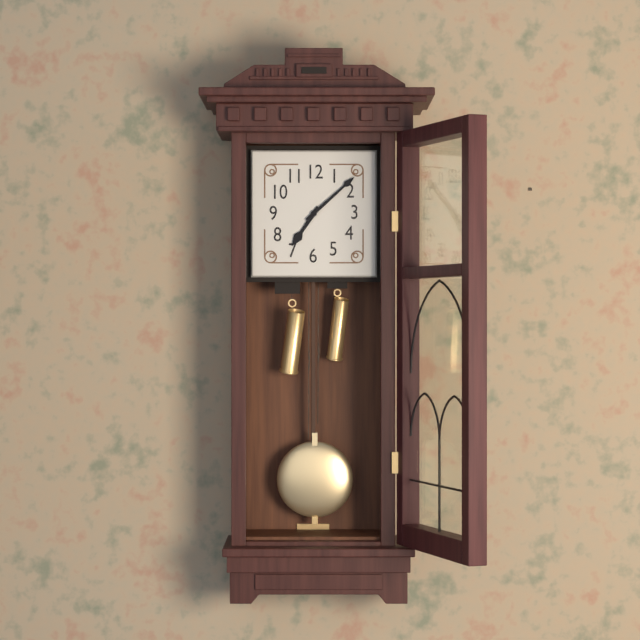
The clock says {"hour": 7, "minute": 8}
